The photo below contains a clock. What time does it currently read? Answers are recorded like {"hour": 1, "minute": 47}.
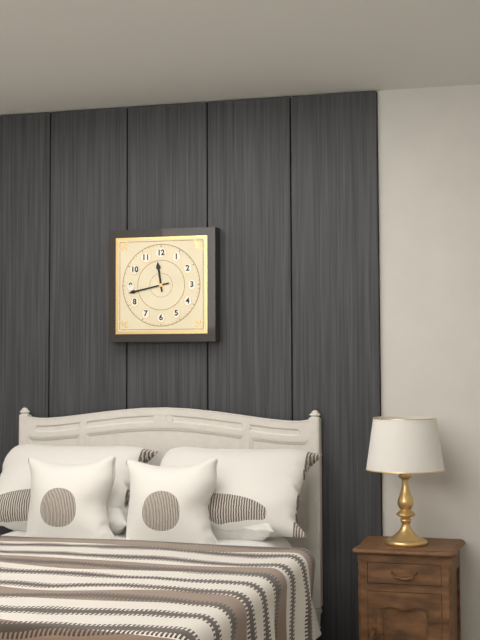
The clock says {"hour": 11, "minute": 43}
